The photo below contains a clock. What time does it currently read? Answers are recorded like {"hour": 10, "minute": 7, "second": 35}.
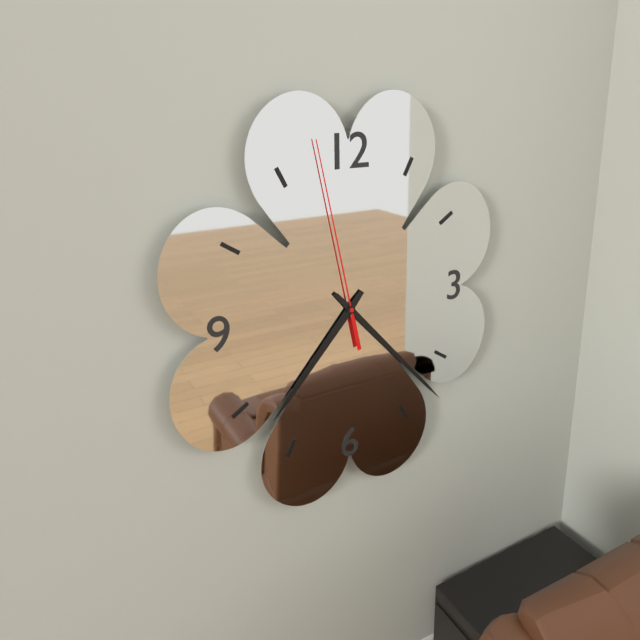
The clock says {"hour": 7, "minute": 23, "second": 58}
